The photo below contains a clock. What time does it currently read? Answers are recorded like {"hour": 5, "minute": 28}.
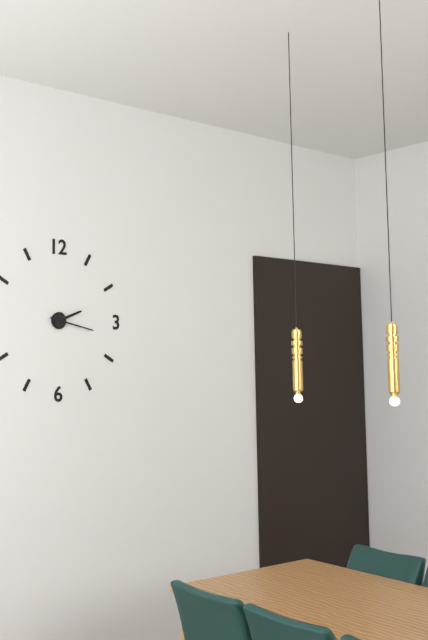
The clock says {"hour": 2, "minute": 17}
